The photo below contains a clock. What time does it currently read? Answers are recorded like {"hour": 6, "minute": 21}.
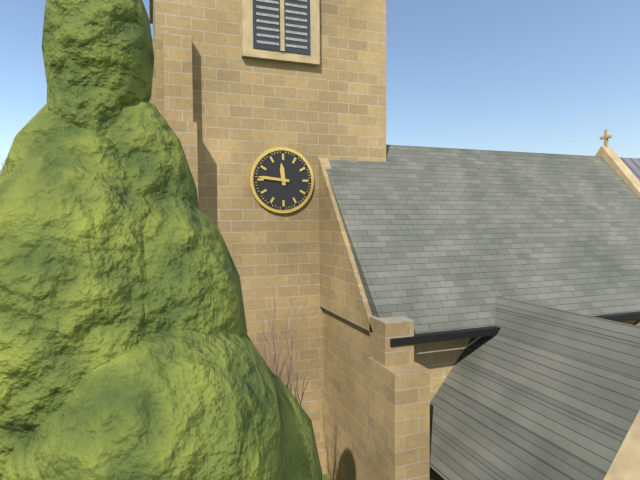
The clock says {"hour": 11, "minute": 46}
